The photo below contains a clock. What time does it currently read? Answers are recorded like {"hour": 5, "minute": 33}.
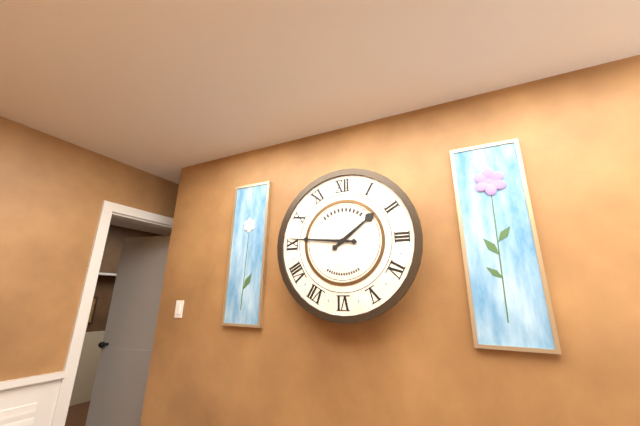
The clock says {"hour": 1, "minute": 46}
